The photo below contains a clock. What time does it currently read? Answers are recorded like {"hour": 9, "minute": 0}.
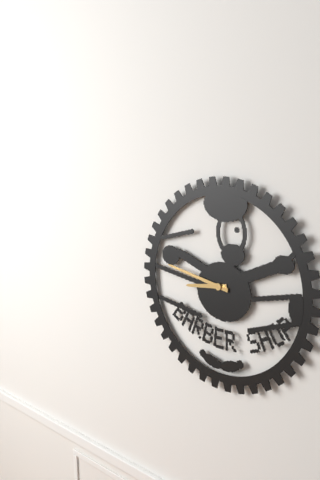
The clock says {"hour": 8, "minute": 47}
